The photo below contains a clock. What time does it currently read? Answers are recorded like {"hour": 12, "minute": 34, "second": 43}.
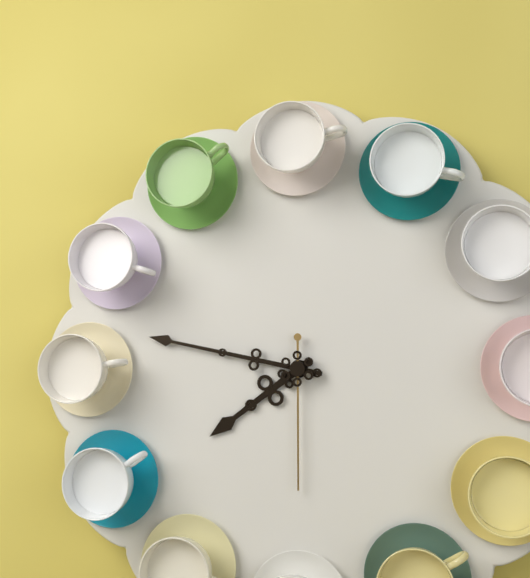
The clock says {"hour": 7, "minute": 47, "second": 30}
